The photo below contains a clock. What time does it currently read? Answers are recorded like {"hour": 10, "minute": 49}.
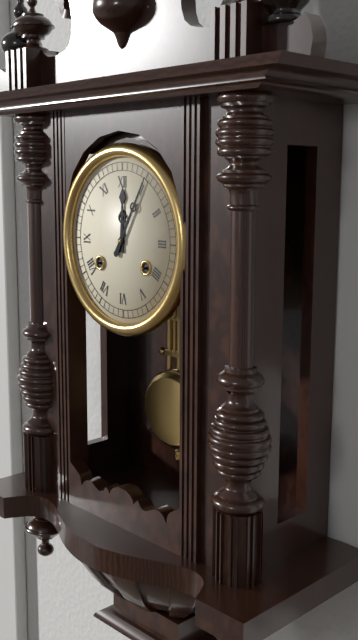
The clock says {"hour": 12, "minute": 5}
